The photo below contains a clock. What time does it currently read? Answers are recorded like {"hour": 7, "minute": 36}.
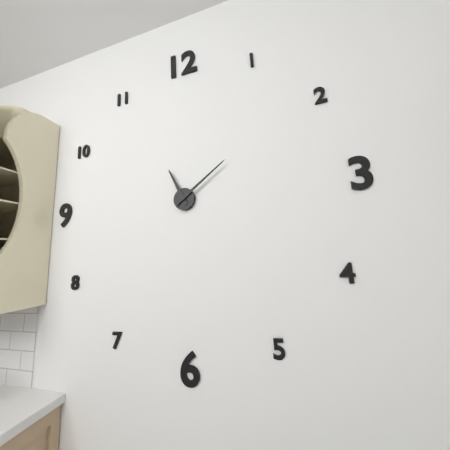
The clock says {"hour": 11, "minute": 9}
